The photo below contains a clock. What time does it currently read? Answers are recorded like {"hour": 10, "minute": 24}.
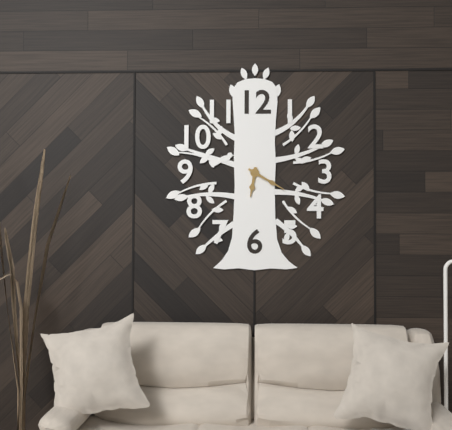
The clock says {"hour": 6, "minute": 20}
